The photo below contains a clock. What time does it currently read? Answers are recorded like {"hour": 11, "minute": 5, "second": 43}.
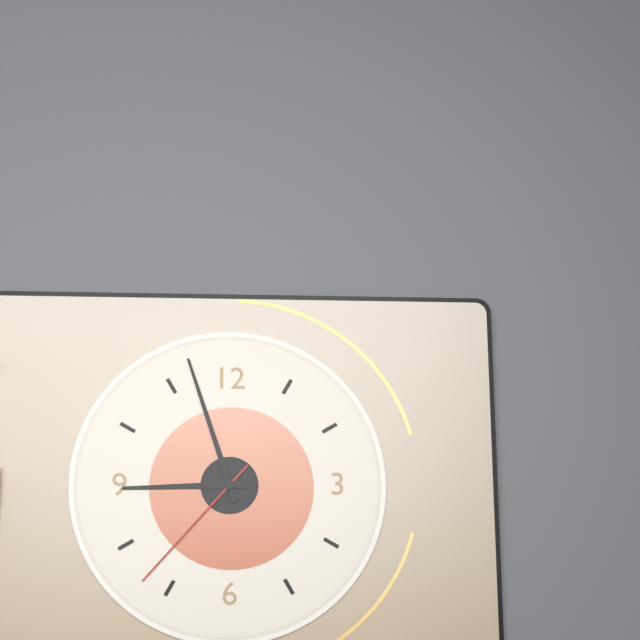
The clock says {"hour": 8, "minute": 57, "second": 37}
